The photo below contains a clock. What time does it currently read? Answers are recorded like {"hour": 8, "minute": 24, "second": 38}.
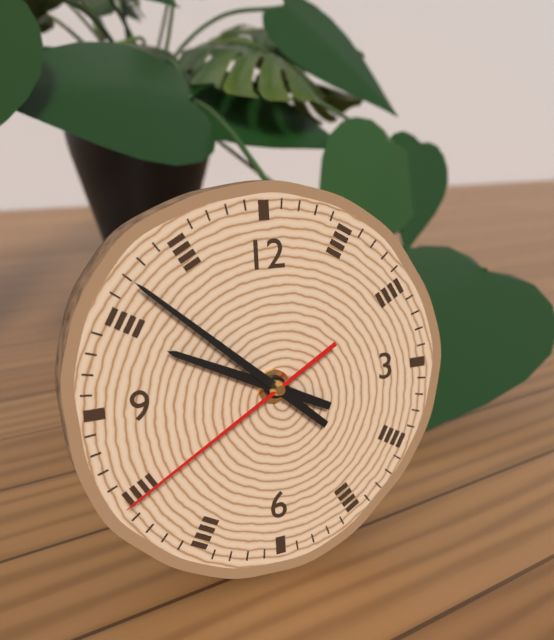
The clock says {"hour": 9, "minute": 52, "second": 40}
